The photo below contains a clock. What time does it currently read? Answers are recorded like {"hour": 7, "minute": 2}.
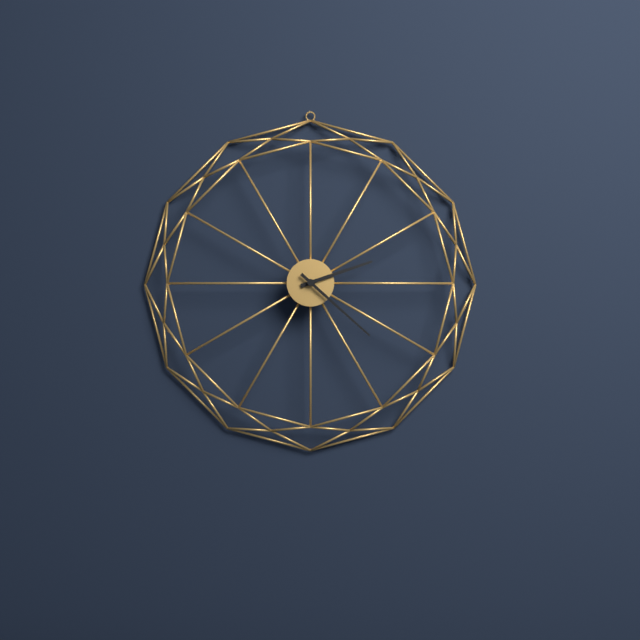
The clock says {"hour": 2, "minute": 22}
